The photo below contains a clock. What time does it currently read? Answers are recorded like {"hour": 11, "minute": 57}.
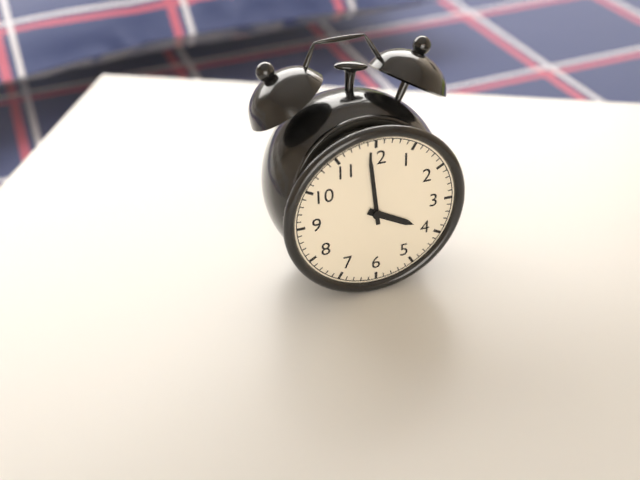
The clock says {"hour": 3, "minute": 59}
